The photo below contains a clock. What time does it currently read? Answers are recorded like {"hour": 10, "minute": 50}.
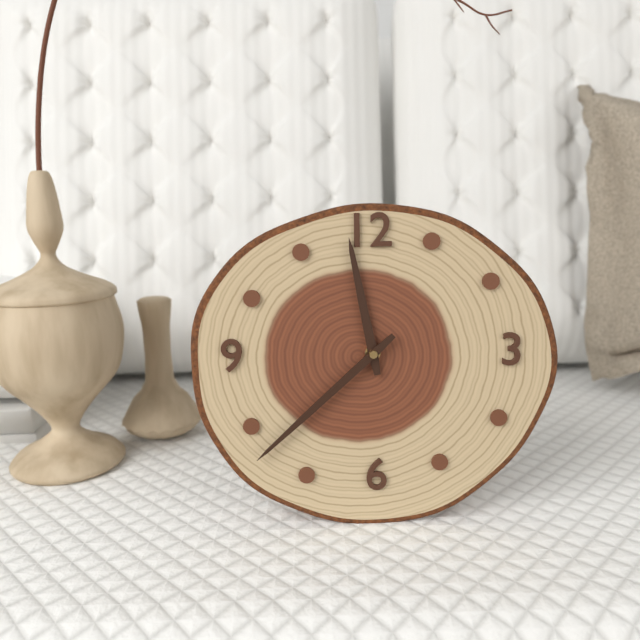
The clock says {"hour": 11, "minute": 38}
